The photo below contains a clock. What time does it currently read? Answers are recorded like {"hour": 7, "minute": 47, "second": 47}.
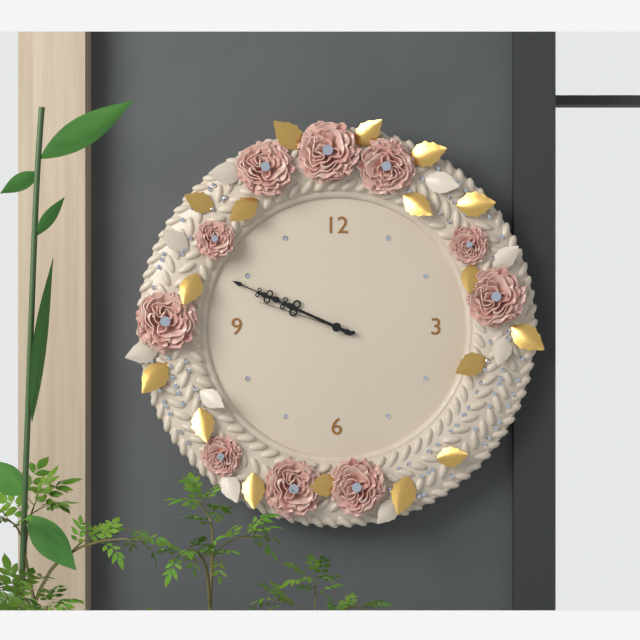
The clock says {"hour": 9, "minute": 49, "second": 48}
